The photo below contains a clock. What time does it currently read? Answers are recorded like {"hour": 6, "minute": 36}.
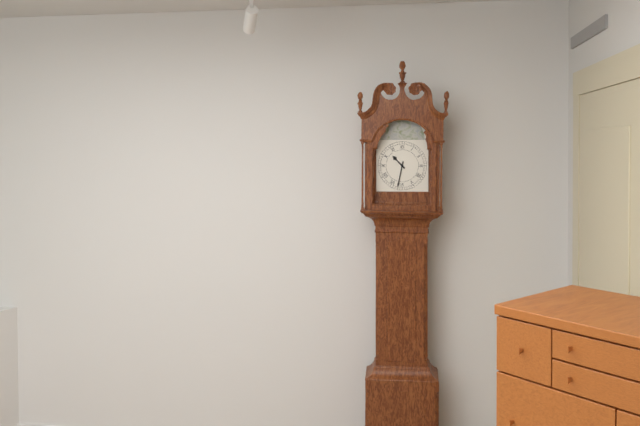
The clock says {"hour": 10, "minute": 32}
